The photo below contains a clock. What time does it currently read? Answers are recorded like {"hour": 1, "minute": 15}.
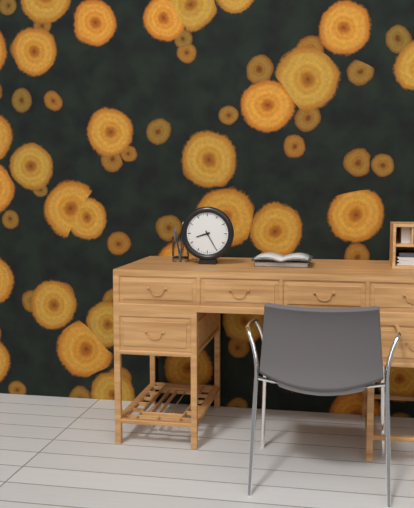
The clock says {"hour": 8, "minute": 25}
